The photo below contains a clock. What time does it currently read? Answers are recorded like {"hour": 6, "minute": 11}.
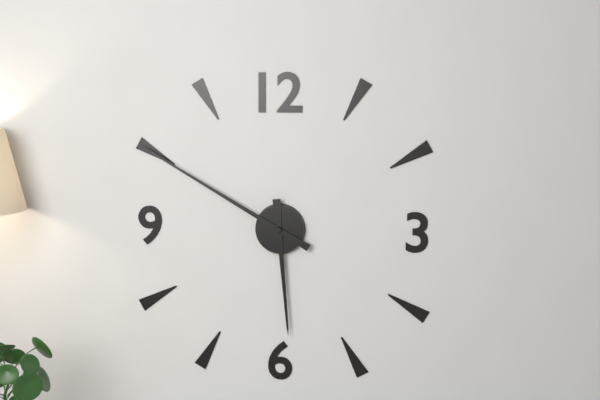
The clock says {"hour": 5, "minute": 50}
